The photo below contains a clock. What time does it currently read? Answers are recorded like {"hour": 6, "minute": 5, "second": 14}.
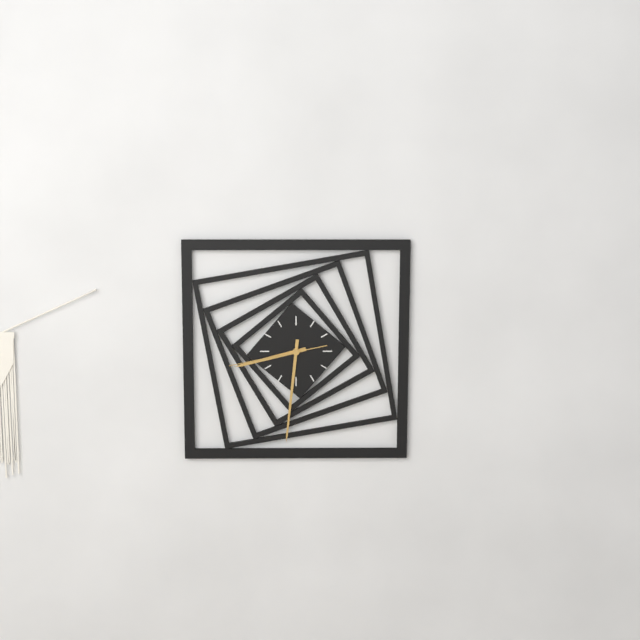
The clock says {"hour": 8, "minute": 31, "second": 43}
